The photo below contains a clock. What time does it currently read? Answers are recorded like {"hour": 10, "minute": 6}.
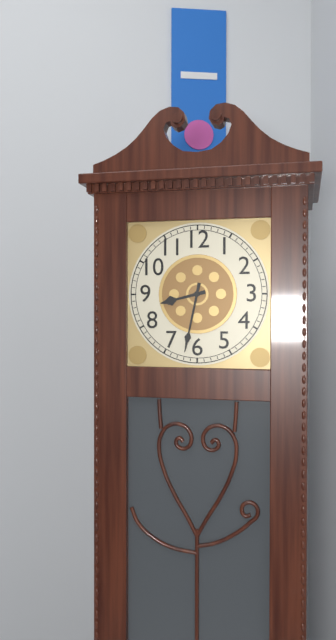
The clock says {"hour": 8, "minute": 32}
